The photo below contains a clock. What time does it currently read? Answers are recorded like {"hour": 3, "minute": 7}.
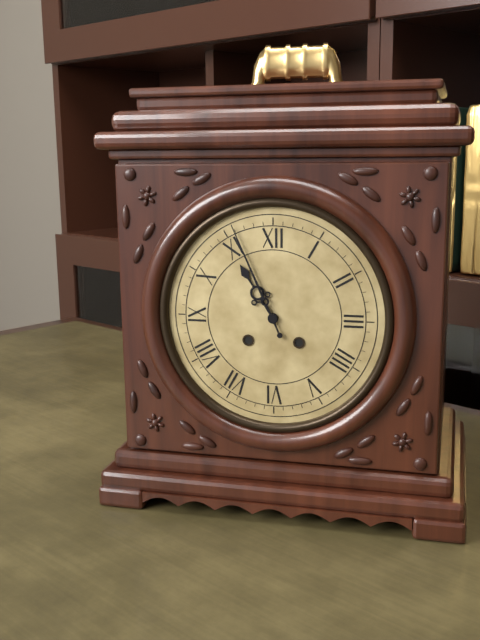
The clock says {"hour": 10, "minute": 56}
